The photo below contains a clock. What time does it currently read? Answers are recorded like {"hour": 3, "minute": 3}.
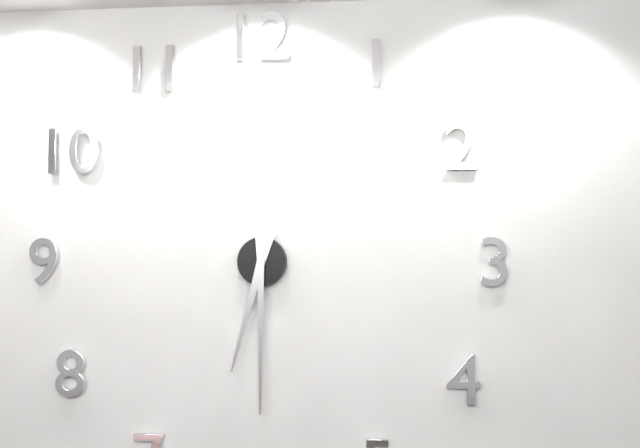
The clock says {"hour": 6, "minute": 30}
